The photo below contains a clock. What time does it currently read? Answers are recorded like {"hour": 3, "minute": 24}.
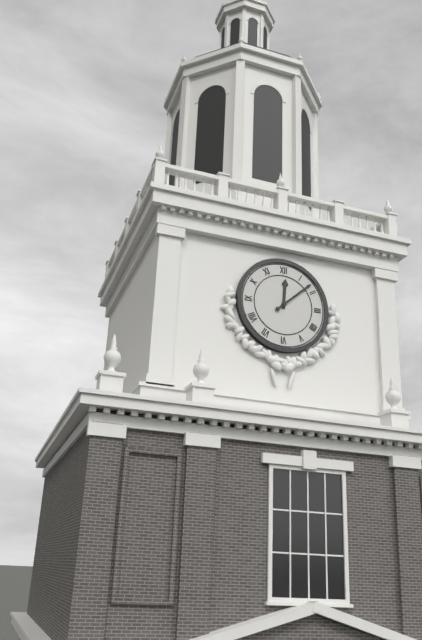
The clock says {"hour": 12, "minute": 8}
